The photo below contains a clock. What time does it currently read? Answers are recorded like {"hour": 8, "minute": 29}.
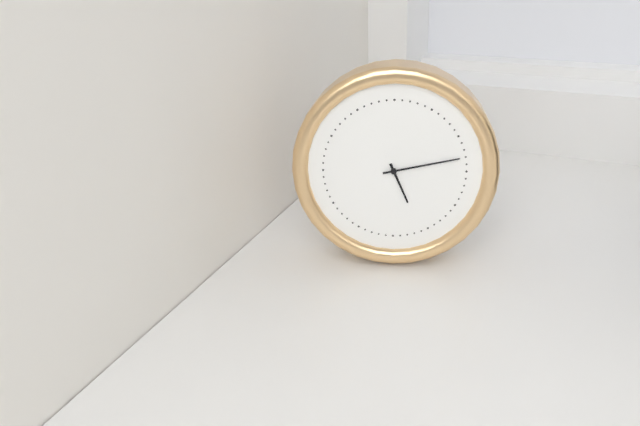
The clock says {"hour": 5, "minute": 13}
